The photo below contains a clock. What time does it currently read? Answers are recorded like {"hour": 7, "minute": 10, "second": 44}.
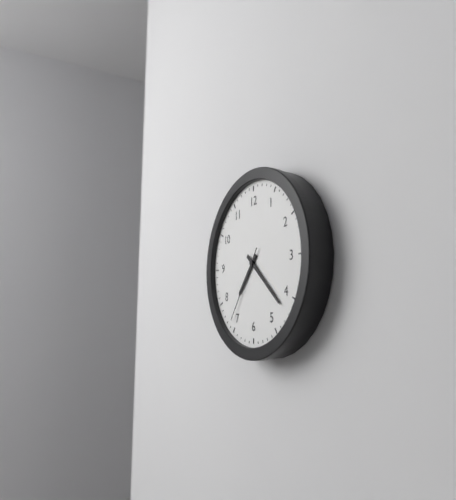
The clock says {"hour": 7, "minute": 22, "second": 36}
